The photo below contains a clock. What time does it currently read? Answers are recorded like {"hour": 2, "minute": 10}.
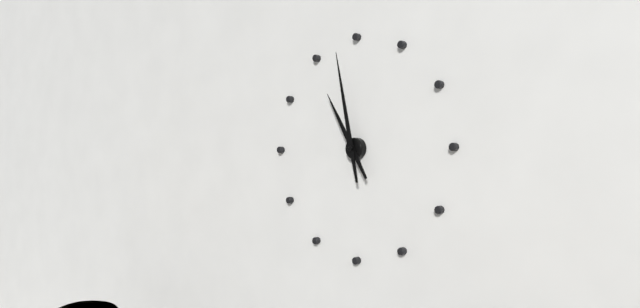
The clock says {"hour": 10, "minute": 58}
